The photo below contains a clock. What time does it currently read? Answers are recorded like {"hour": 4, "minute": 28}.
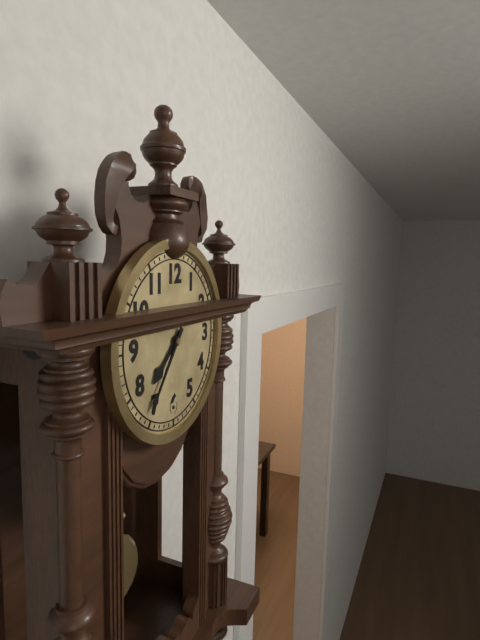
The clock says {"hour": 7, "minute": 36}
